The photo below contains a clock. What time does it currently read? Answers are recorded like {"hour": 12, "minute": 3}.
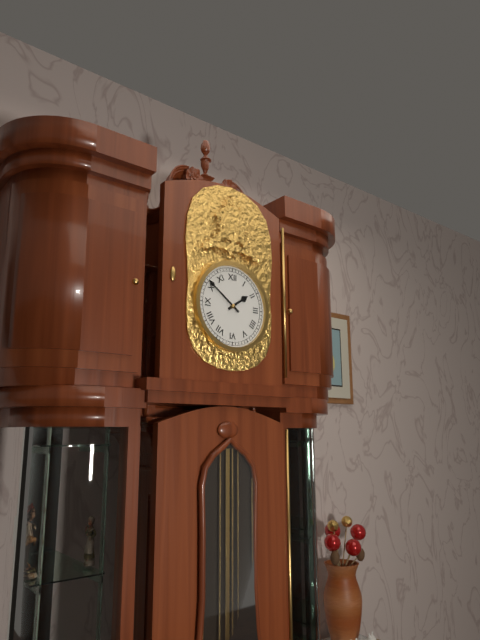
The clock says {"hour": 1, "minute": 51}
